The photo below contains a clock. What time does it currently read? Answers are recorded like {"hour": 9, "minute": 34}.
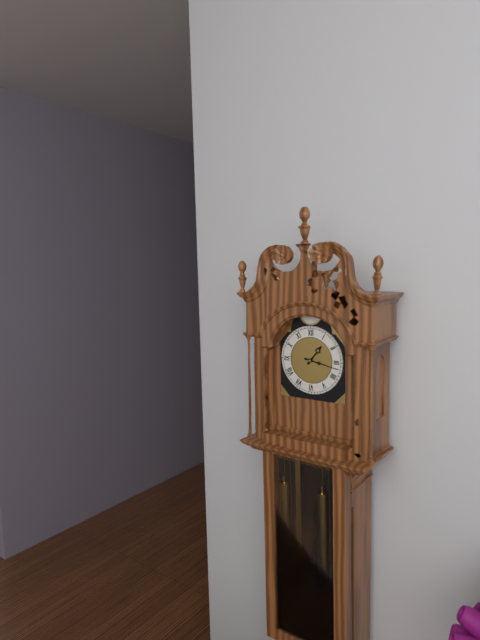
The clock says {"hour": 1, "minute": 17}
